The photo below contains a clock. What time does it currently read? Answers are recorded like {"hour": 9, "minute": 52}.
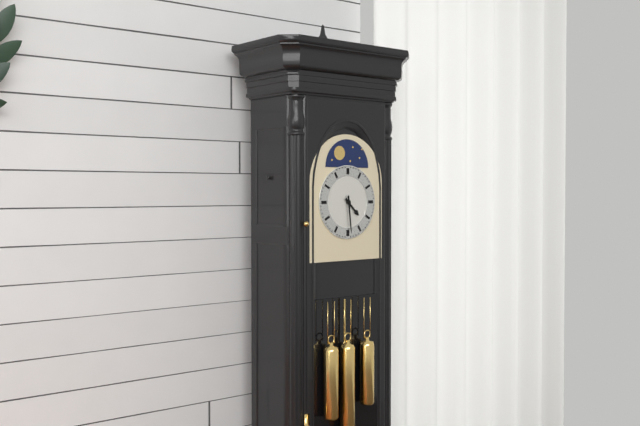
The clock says {"hour": 4, "minute": 29}
